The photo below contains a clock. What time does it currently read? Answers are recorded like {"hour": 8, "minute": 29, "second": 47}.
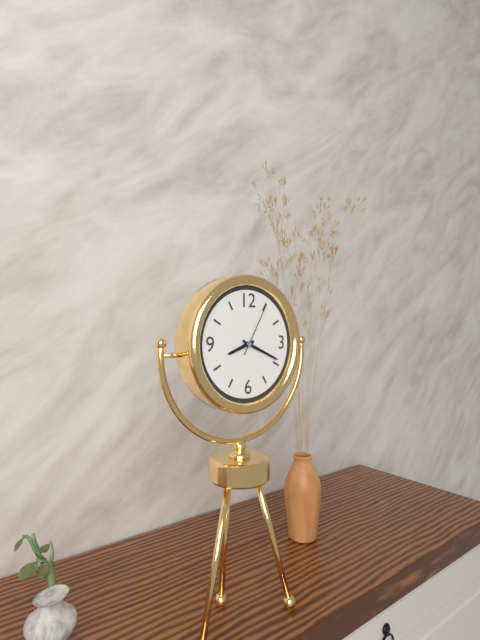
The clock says {"hour": 8, "minute": 19, "second": 5}
